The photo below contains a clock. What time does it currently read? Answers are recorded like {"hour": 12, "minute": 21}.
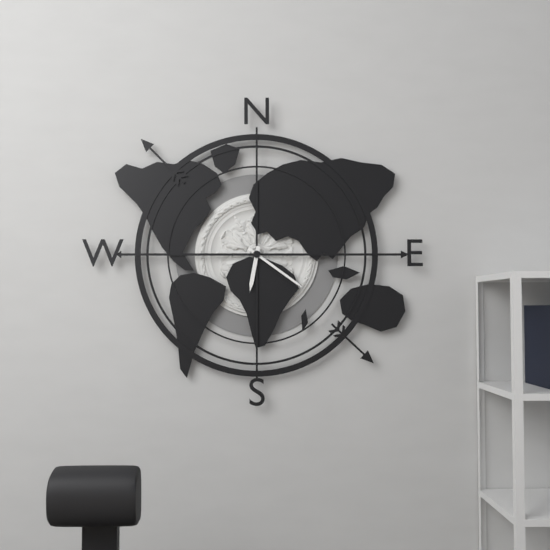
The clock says {"hour": 6, "minute": 21}
